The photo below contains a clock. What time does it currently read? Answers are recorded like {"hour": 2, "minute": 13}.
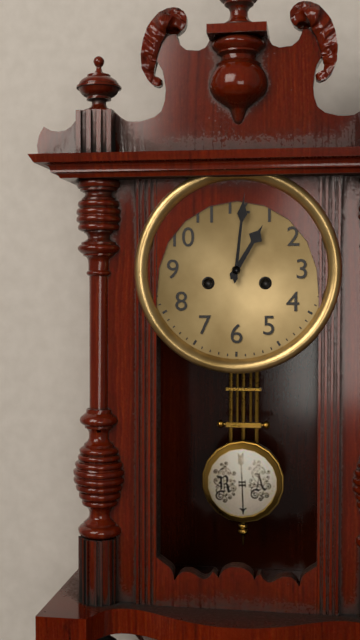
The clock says {"hour": 1, "minute": 1}
